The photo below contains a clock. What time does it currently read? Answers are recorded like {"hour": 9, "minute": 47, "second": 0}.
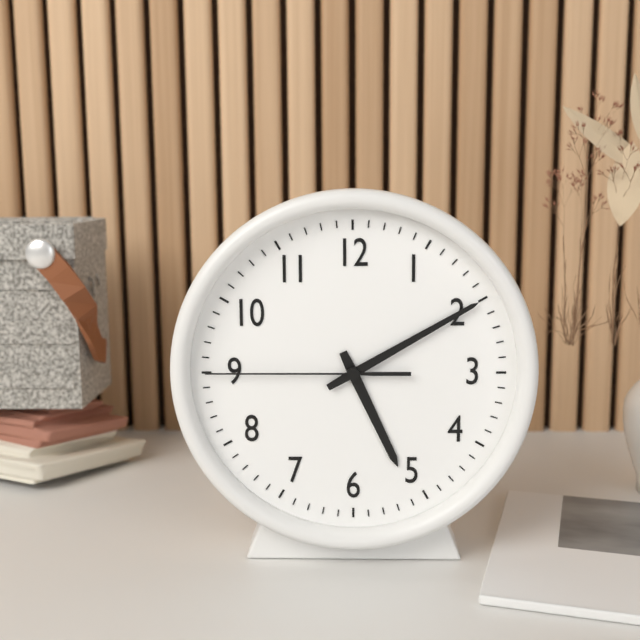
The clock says {"hour": 5, "minute": 10, "second": 45}
